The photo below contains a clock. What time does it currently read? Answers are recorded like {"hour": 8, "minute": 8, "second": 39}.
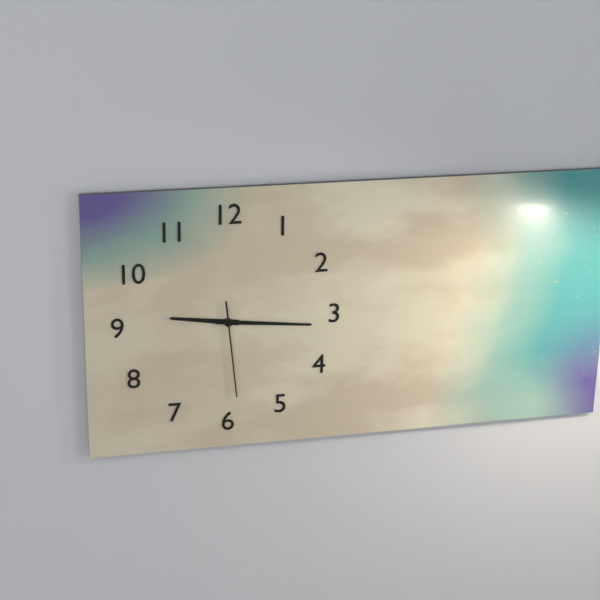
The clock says {"hour": 9, "minute": 16, "second": 29}
